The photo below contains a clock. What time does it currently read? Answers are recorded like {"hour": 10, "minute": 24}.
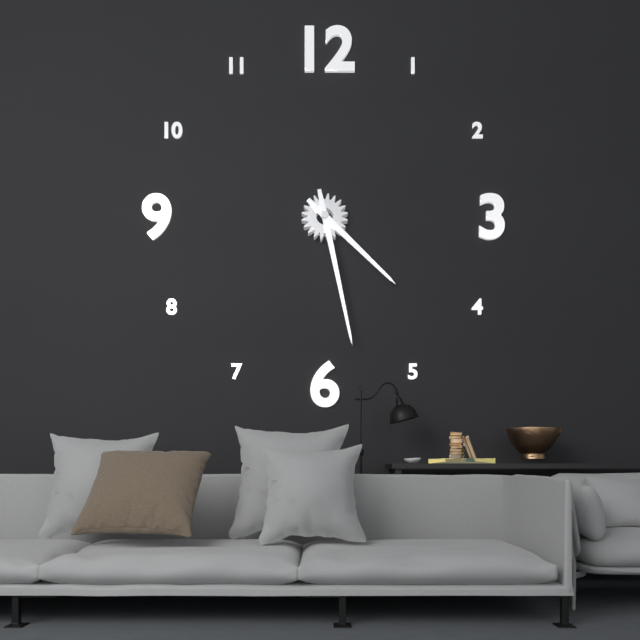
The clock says {"hour": 4, "minute": 28}
